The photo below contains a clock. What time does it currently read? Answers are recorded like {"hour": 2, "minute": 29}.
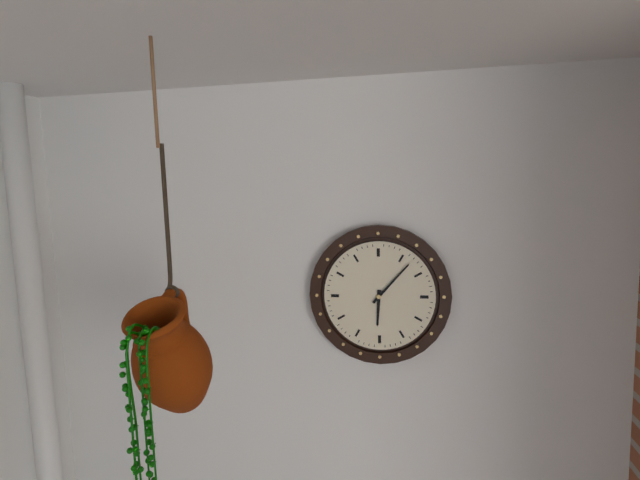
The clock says {"hour": 6, "minute": 7}
